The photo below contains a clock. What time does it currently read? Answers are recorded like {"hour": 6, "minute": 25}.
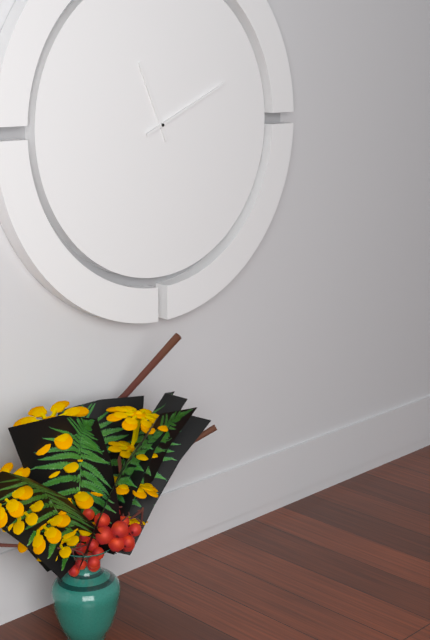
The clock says {"hour": 11, "minute": 11}
